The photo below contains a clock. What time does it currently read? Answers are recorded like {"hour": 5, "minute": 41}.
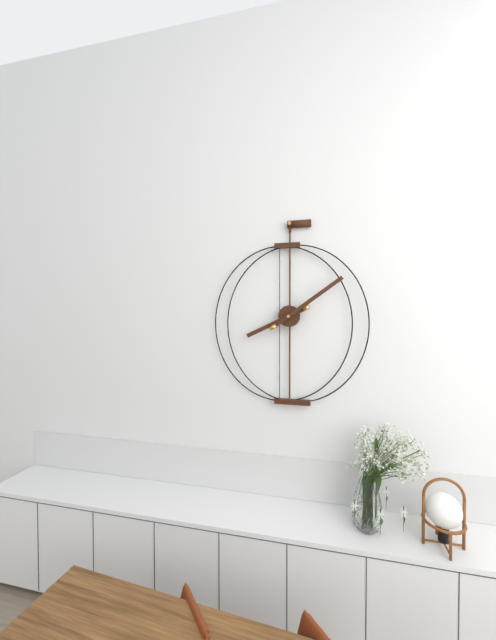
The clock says {"hour": 8, "minute": 9}
